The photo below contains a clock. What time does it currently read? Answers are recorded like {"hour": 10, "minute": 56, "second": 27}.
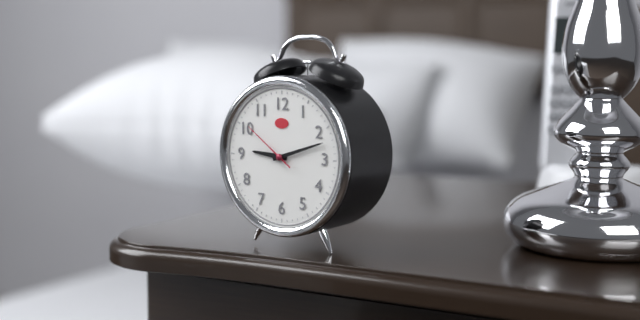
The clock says {"hour": 9, "minute": 12, "second": 51}
